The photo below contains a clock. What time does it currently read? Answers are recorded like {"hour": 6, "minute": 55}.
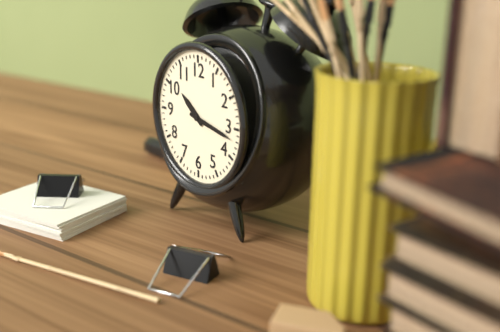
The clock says {"hour": 10, "minute": 17}
